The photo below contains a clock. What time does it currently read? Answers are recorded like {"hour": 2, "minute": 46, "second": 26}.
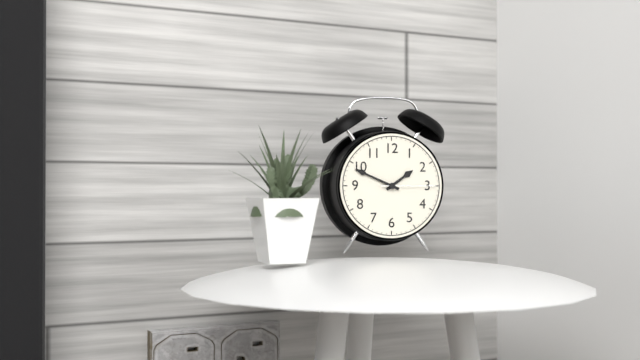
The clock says {"hour": 1, "minute": 49, "second": 15}
